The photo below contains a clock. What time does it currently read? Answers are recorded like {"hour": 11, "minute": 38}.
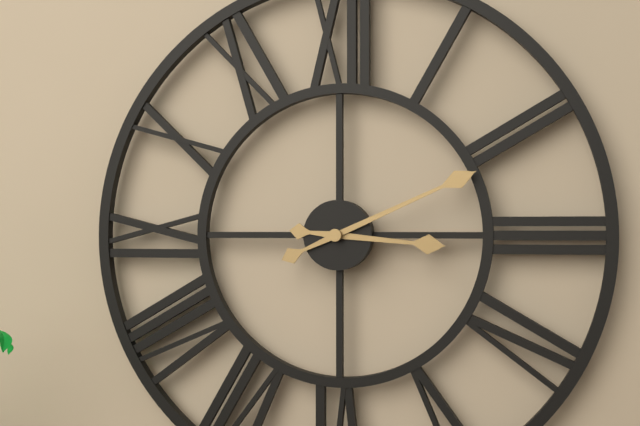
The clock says {"hour": 3, "minute": 11}
